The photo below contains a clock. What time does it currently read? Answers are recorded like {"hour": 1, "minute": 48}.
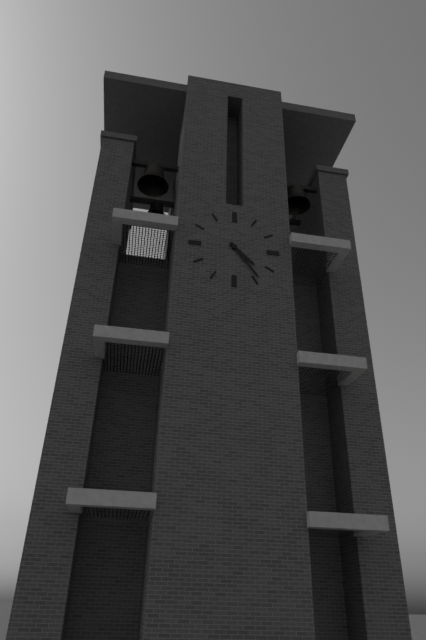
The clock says {"hour": 4, "minute": 24}
